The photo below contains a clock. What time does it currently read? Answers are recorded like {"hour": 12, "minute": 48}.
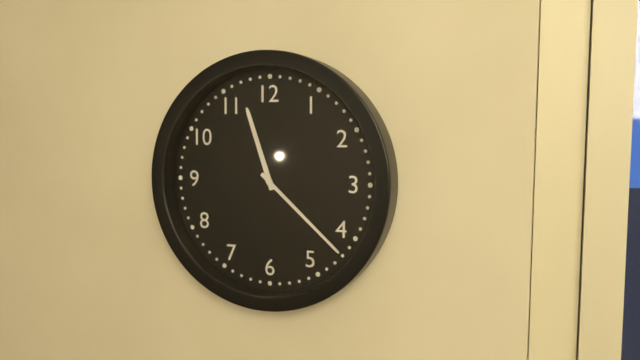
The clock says {"hour": 11, "minute": 22}
